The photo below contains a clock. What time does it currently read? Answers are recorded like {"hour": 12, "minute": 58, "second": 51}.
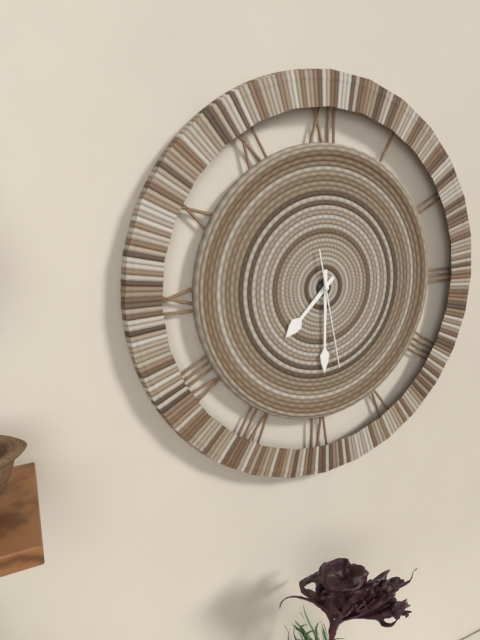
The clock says {"hour": 7, "minute": 30, "second": 28}
